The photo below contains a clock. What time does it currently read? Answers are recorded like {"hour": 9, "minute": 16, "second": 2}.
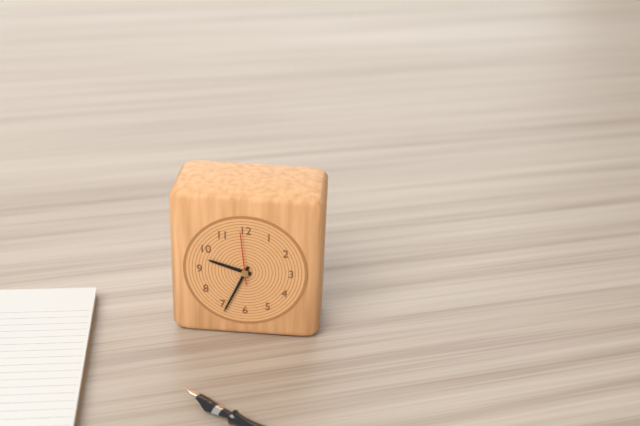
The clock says {"hour": 9, "minute": 34, "second": 59}
